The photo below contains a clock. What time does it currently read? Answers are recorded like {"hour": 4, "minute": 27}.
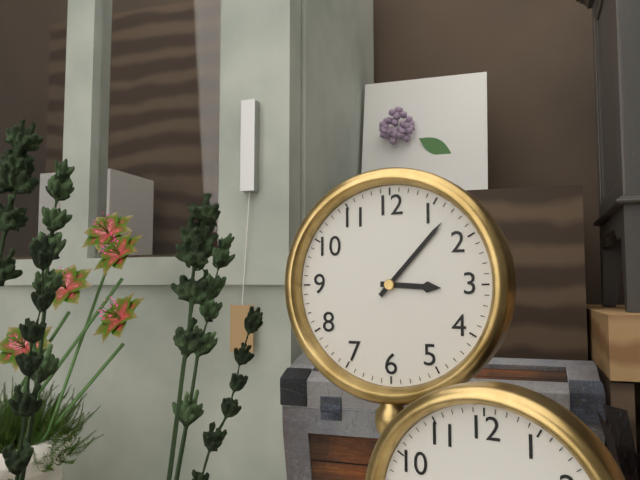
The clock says {"hour": 3, "minute": 7}
